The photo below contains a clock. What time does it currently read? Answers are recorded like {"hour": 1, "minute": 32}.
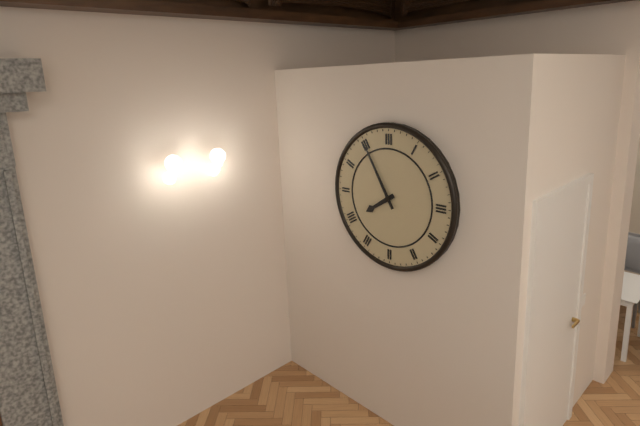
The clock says {"hour": 7, "minute": 55}
